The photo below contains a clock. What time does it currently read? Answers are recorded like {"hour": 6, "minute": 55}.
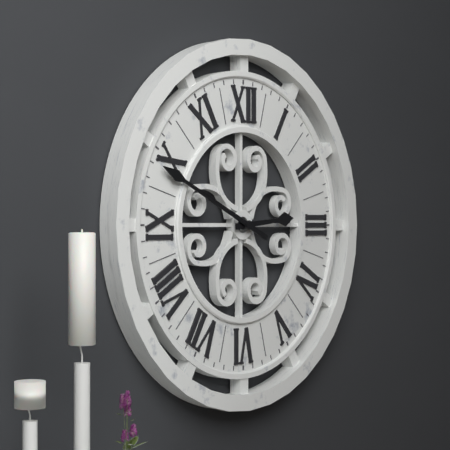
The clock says {"hour": 2, "minute": 49}
